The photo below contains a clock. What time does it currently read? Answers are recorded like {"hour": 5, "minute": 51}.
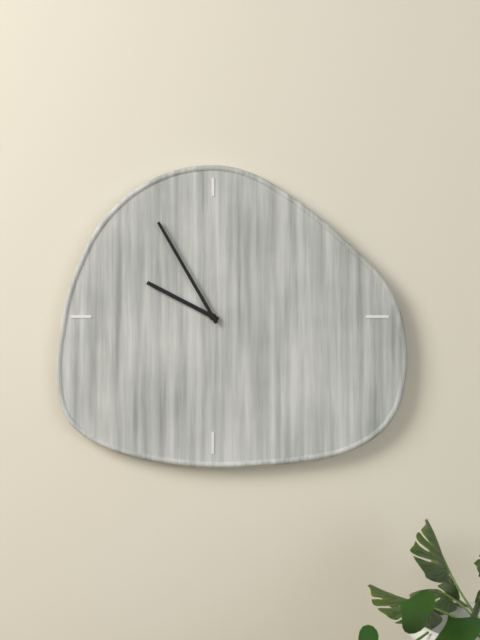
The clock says {"hour": 9, "minute": 55}
